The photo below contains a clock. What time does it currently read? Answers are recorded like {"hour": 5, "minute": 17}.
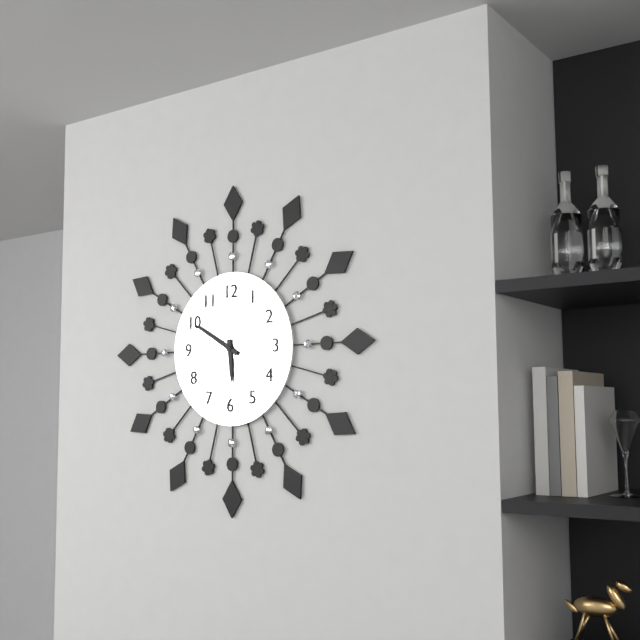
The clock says {"hour": 5, "minute": 50}
